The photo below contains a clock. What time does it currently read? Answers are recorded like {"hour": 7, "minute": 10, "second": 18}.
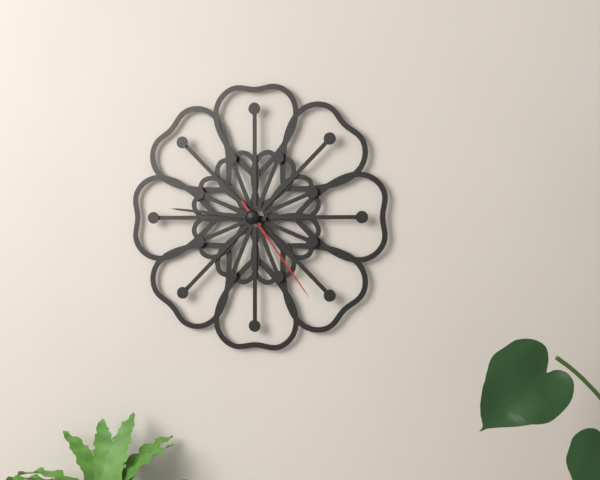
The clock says {"hour": 9, "minute": 46, "second": 24}
